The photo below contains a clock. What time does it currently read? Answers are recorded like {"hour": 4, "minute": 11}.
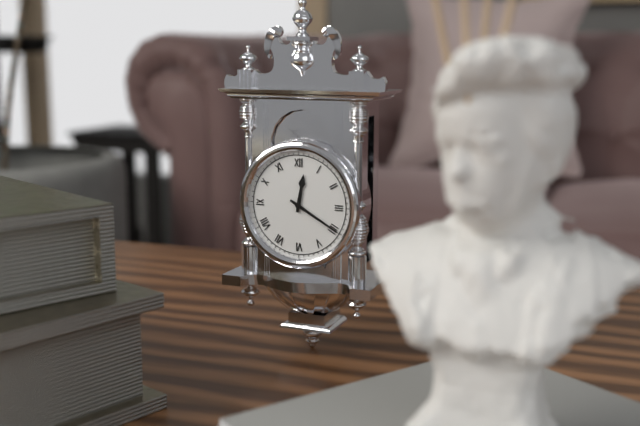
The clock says {"hour": 12, "minute": 20}
